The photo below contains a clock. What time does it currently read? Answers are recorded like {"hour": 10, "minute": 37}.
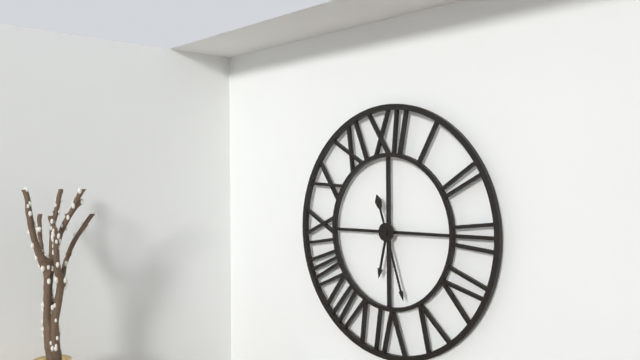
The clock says {"hour": 6, "minute": 27}
